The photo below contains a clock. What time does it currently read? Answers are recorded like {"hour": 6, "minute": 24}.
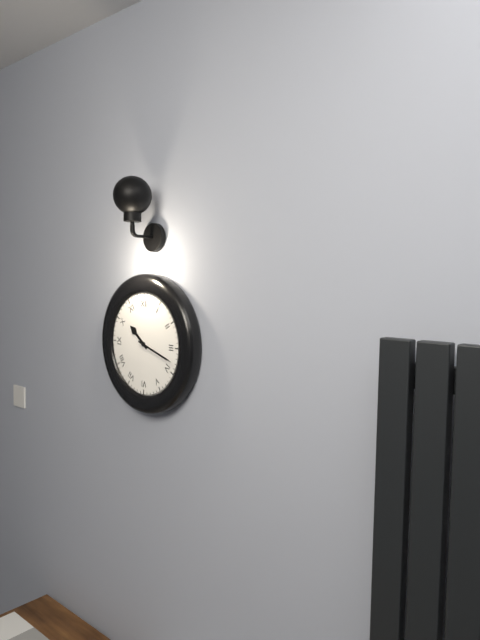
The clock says {"hour": 10, "minute": 18}
